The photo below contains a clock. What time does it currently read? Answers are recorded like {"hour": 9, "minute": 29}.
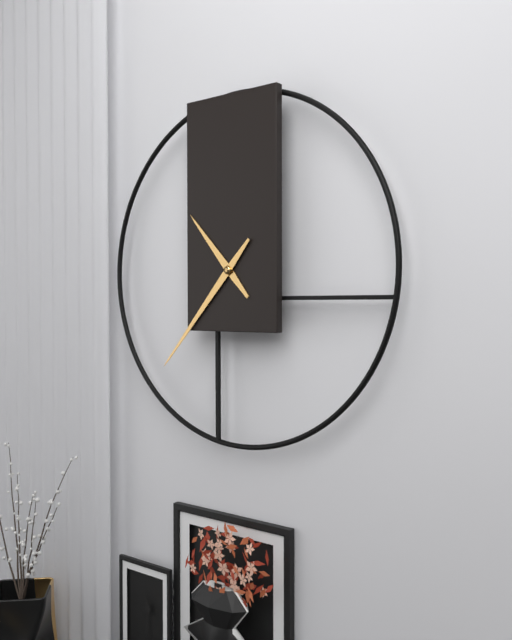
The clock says {"hour": 10, "minute": 37}
